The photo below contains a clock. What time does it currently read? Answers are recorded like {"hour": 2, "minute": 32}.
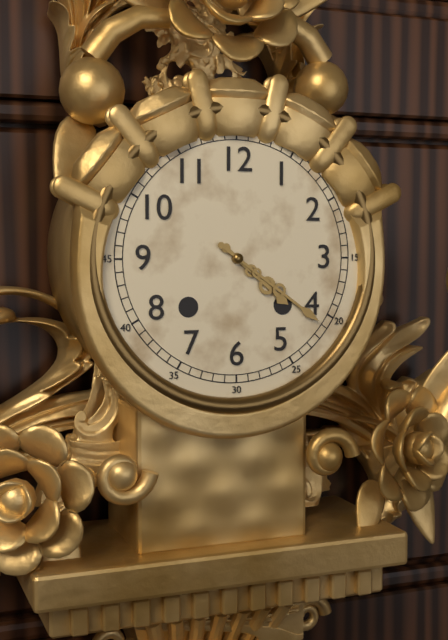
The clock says {"hour": 4, "minute": 21}
